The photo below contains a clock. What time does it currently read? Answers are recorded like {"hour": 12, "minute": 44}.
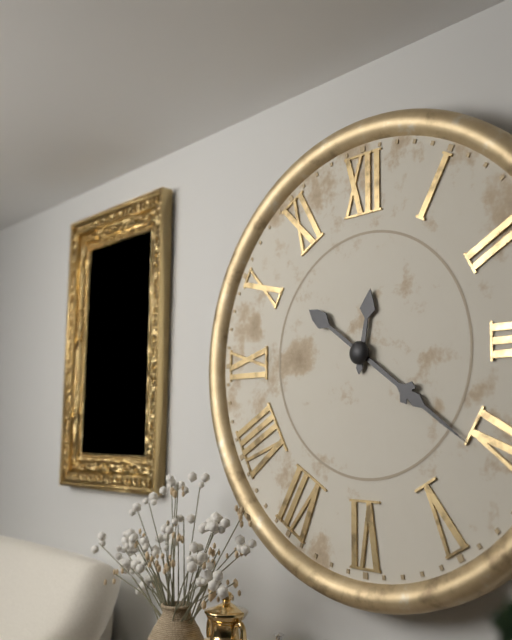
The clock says {"hour": 12, "minute": 21}
